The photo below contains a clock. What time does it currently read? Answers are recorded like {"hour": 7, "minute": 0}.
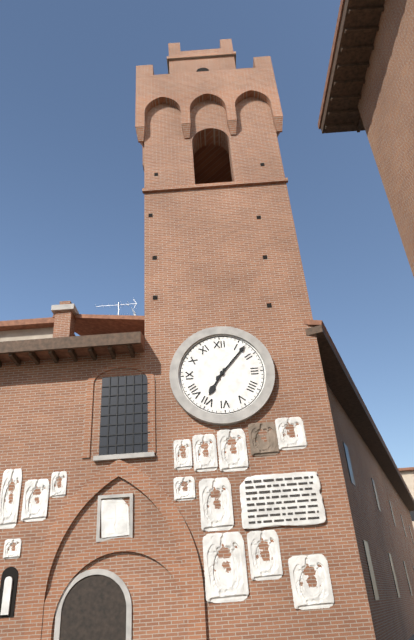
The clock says {"hour": 7, "minute": 7}
